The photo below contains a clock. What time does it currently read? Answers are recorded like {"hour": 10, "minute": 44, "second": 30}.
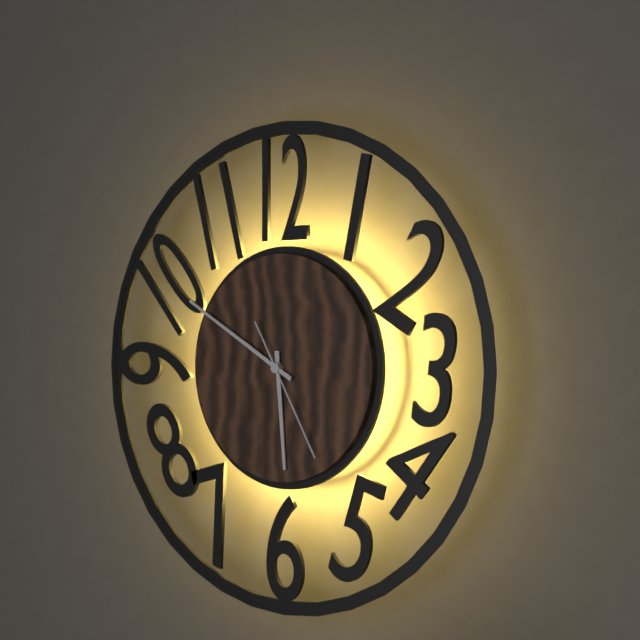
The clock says {"hour": 5, "minute": 50, "second": 25}
